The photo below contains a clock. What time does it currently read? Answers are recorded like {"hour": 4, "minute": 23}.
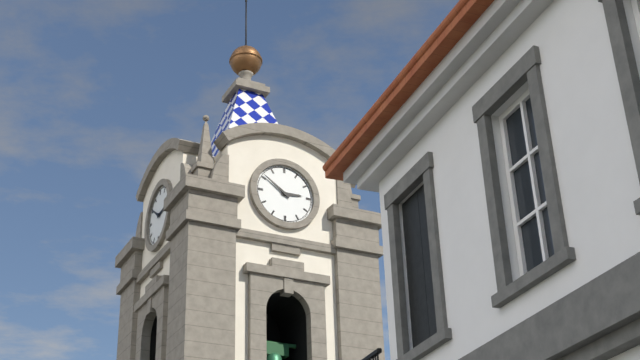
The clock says {"hour": 2, "minute": 51}
